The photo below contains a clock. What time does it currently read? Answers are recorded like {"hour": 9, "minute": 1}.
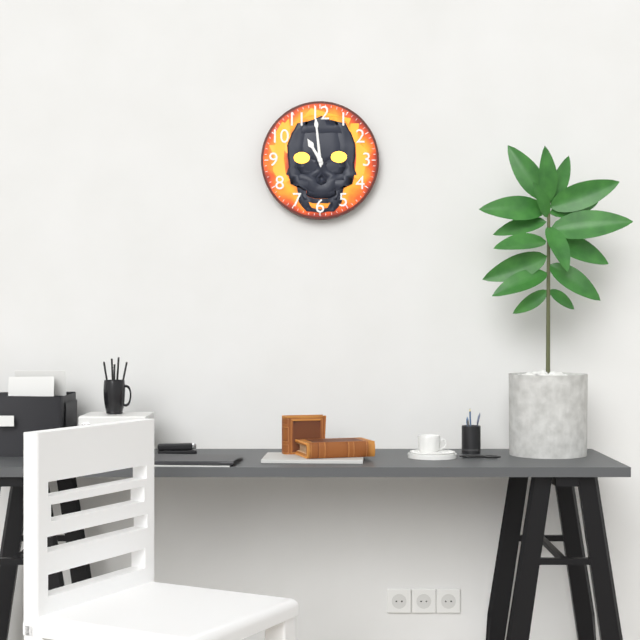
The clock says {"hour": 10, "minute": 59}
